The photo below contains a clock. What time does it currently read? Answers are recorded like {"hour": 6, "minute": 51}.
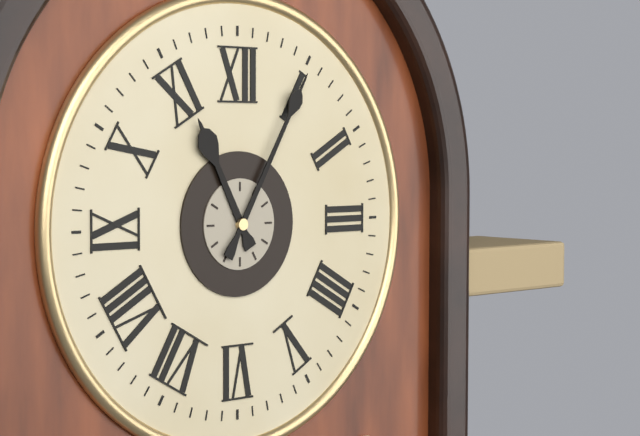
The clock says {"hour": 11, "minute": 5}
